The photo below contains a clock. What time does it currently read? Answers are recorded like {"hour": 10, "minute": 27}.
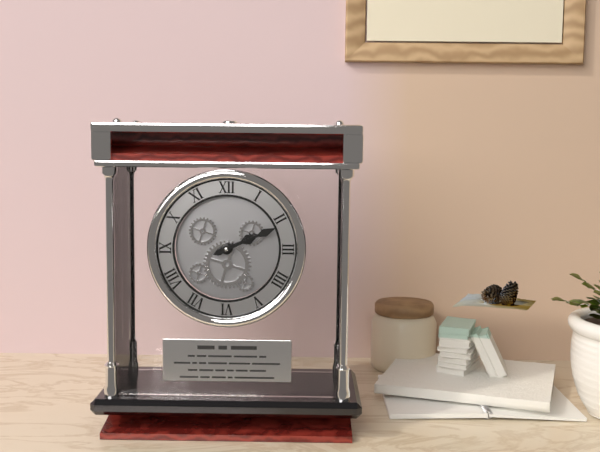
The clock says {"hour": 2, "minute": 11}
